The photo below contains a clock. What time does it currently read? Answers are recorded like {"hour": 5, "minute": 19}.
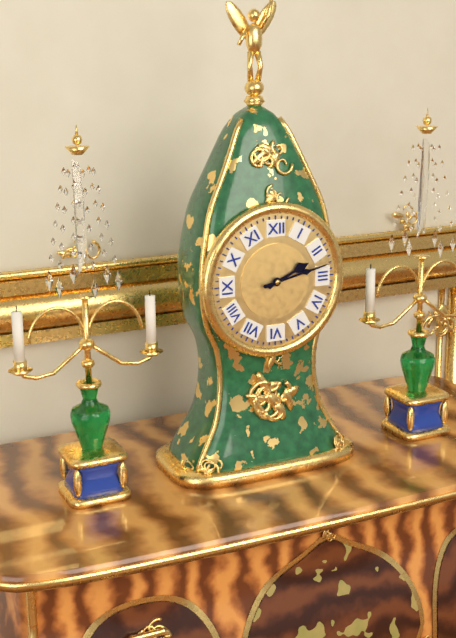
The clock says {"hour": 2, "minute": 13}
